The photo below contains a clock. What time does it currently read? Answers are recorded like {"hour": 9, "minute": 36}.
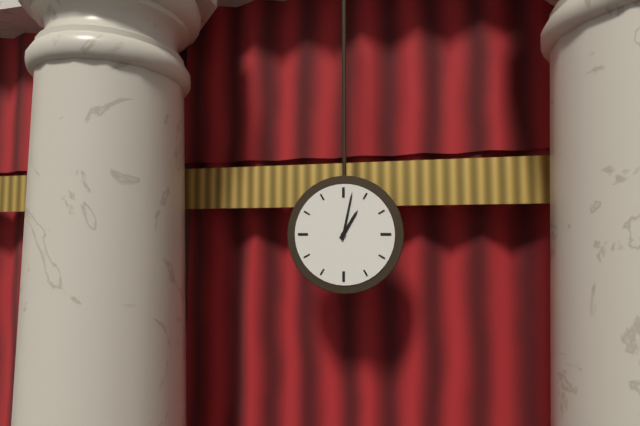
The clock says {"hour": 1, "minute": 2}
